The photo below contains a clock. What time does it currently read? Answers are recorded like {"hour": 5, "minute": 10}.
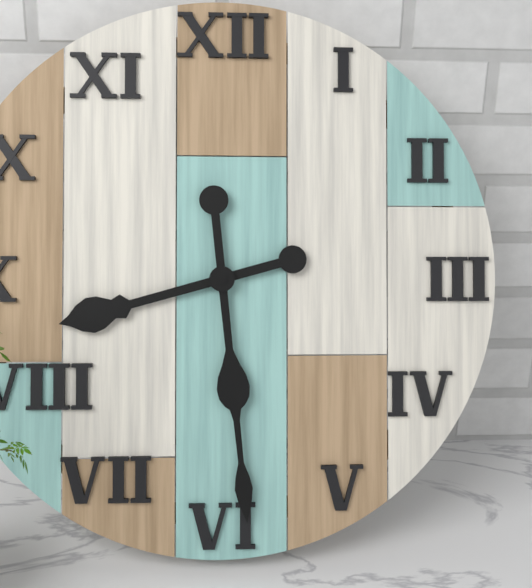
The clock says {"hour": 8, "minute": 29}
